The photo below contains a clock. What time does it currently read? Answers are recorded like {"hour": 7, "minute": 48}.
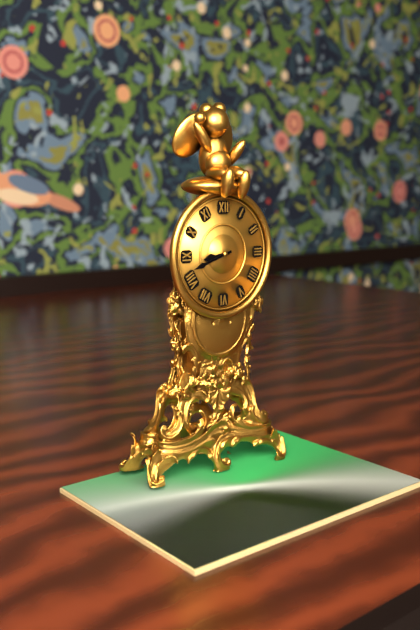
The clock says {"hour": 8, "minute": 42}
